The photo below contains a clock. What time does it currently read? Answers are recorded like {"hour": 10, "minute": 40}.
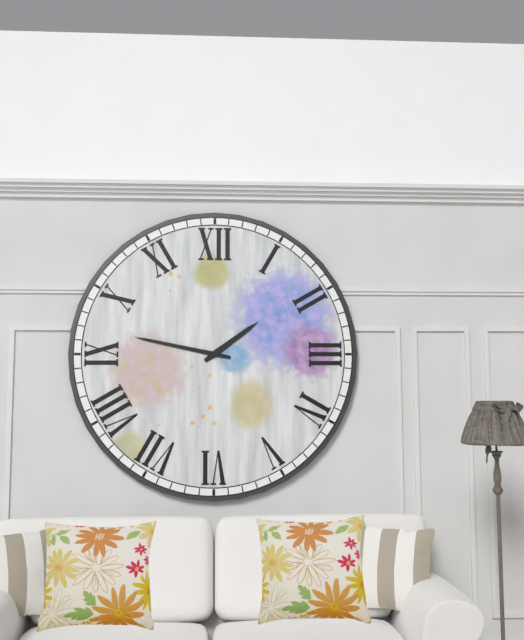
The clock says {"hour": 1, "minute": 47}
